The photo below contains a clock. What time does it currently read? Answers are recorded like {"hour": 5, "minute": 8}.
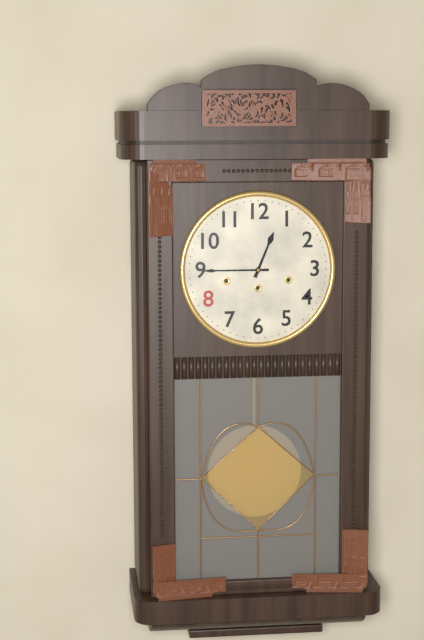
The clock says {"hour": 12, "minute": 45}
